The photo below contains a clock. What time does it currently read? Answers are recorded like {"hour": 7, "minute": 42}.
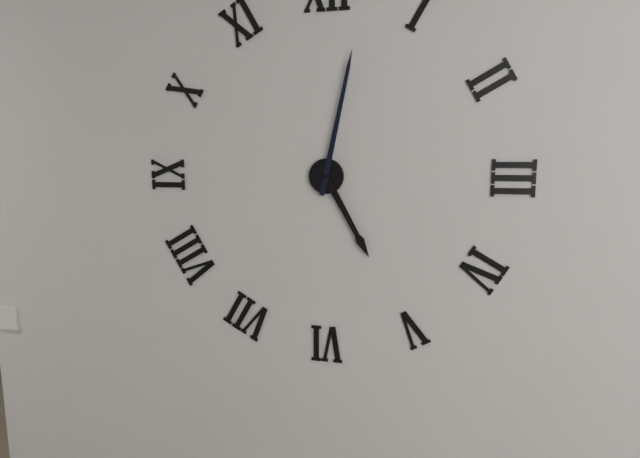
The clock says {"hour": 5, "minute": 2}
